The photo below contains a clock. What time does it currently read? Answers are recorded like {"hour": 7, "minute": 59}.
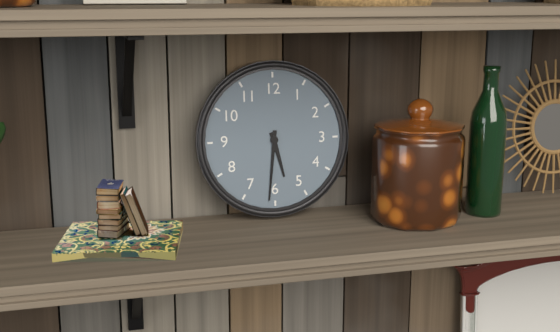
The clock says {"hour": 5, "minute": 31}
